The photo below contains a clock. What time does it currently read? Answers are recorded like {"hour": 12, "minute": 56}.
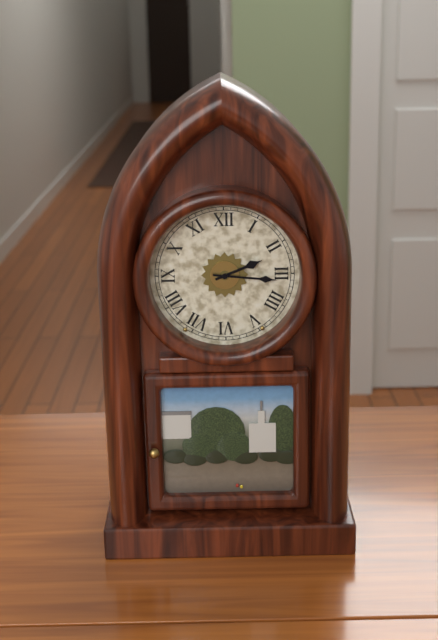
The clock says {"hour": 2, "minute": 16}
